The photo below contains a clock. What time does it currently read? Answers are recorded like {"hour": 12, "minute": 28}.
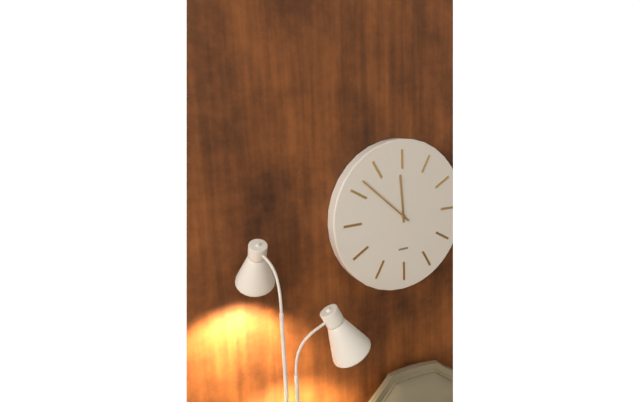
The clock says {"hour": 11, "minute": 52}
